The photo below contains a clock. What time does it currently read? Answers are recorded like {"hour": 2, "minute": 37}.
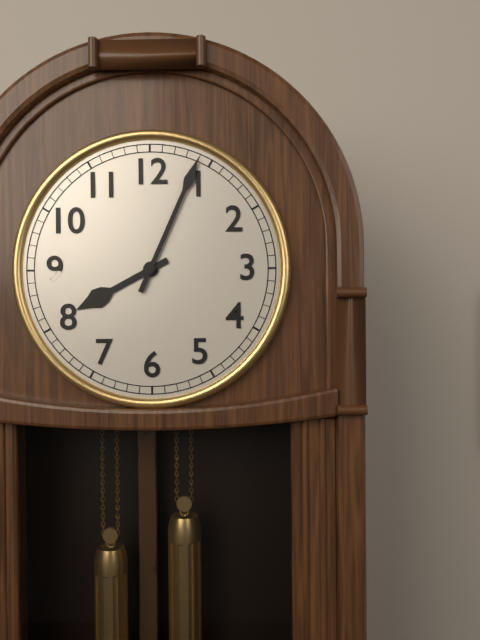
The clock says {"hour": 8, "minute": 4}
